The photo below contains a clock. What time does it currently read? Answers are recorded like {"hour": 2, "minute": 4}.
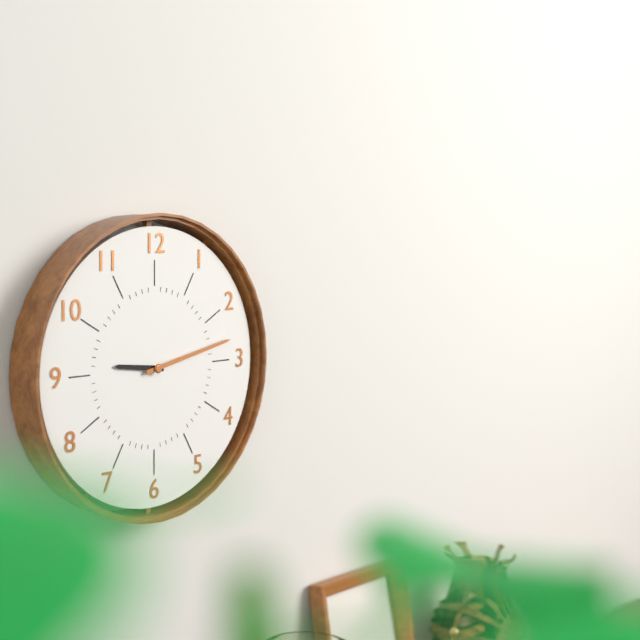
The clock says {"hour": 9, "minute": 13}
